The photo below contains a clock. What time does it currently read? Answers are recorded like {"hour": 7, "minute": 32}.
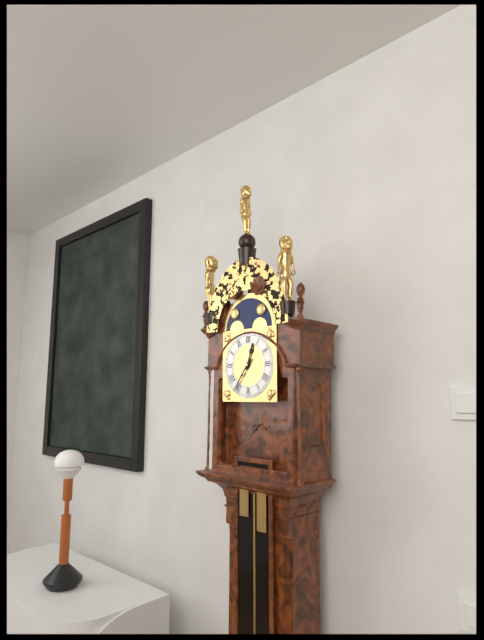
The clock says {"hour": 12, "minute": 36}
